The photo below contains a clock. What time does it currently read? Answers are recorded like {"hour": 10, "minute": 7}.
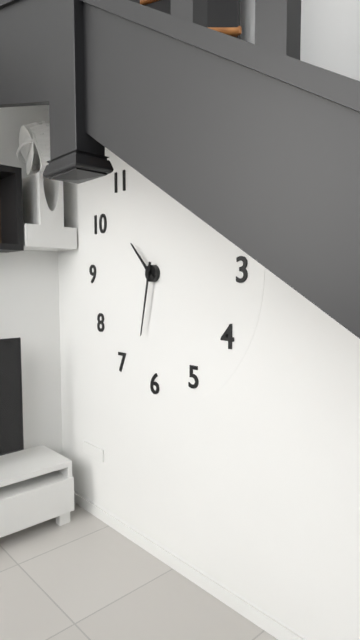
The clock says {"hour": 10, "minute": 32}
